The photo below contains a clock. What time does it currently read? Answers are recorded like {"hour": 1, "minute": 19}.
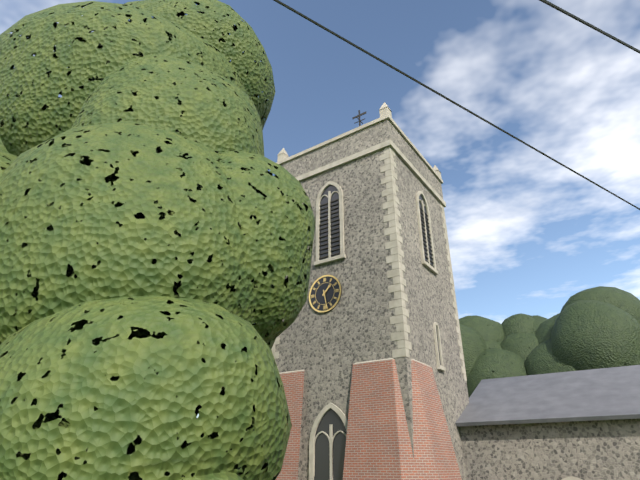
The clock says {"hour": 1, "minute": 28}
